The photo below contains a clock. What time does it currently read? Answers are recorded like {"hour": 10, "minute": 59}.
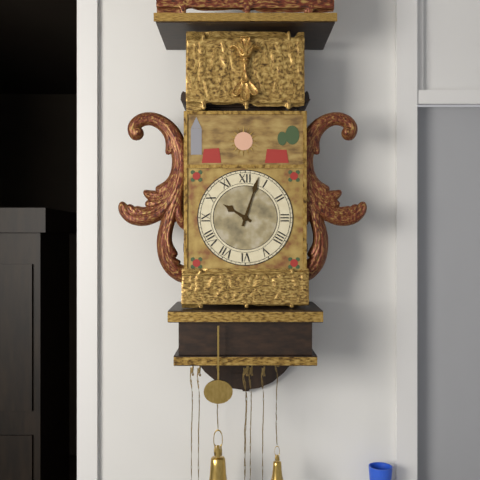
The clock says {"hour": 10, "minute": 3}
